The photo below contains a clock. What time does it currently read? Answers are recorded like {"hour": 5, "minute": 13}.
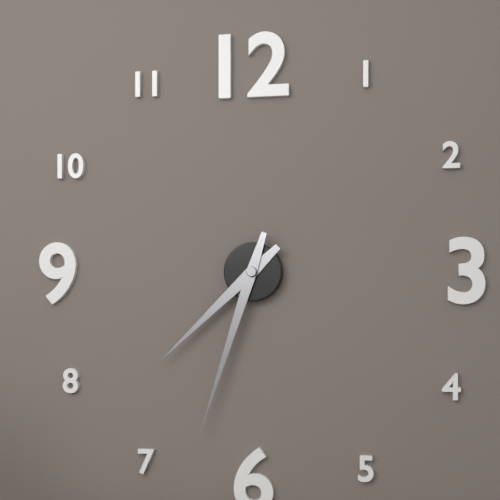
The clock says {"hour": 7, "minute": 33}
